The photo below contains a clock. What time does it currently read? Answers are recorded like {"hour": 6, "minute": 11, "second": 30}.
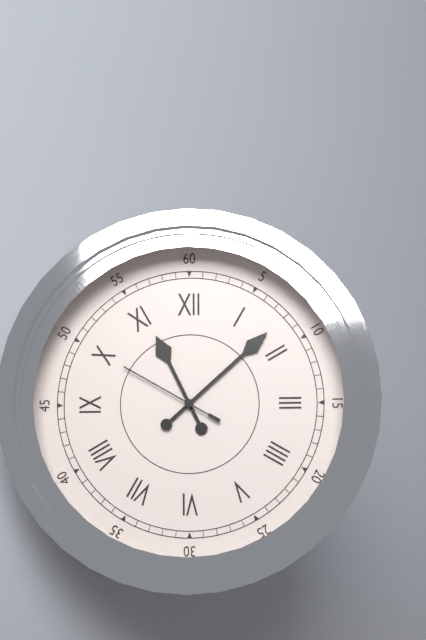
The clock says {"hour": 11, "minute": 8, "second": 50}
